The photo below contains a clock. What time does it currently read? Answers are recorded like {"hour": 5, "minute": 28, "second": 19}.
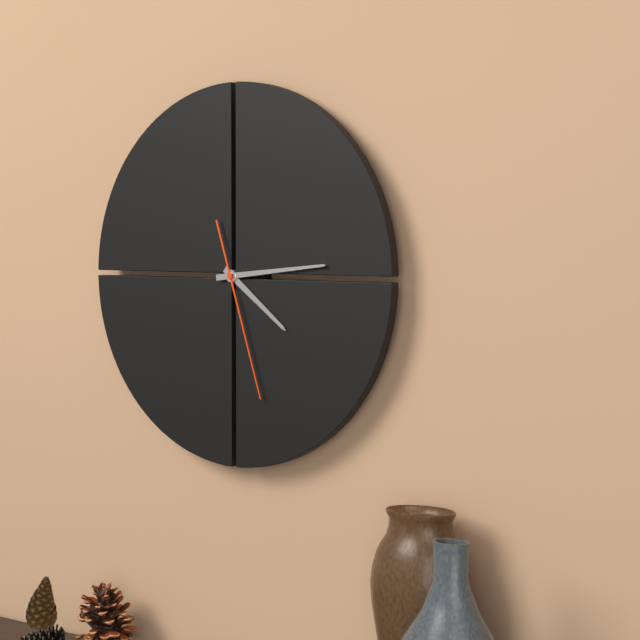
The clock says {"hour": 4, "minute": 14, "second": 27}
